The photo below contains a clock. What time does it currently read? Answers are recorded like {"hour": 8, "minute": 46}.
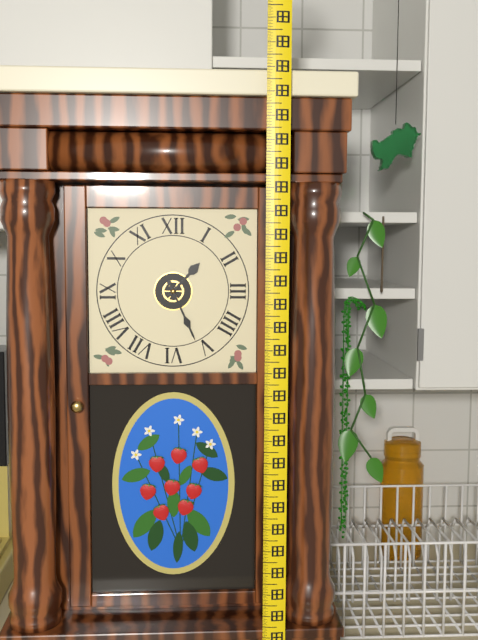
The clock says {"hour": 1, "minute": 26}
